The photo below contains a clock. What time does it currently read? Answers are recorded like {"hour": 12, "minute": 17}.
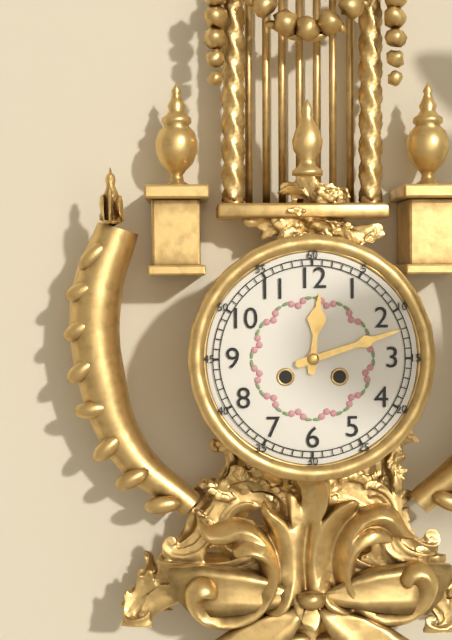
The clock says {"hour": 12, "minute": 12}
